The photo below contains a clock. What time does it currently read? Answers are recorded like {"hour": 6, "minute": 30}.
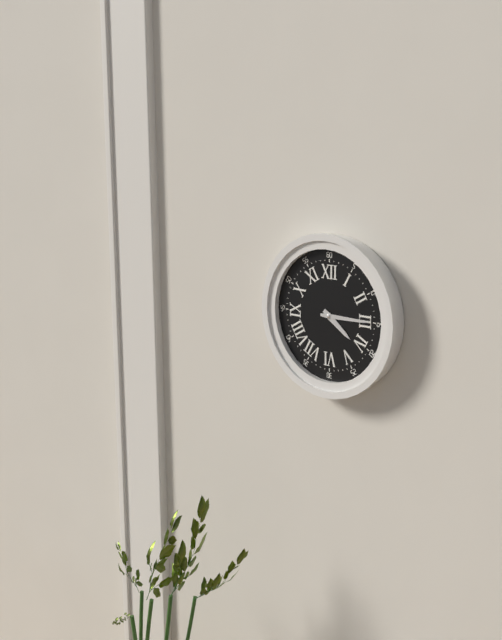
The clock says {"hour": 4, "minute": 15}
